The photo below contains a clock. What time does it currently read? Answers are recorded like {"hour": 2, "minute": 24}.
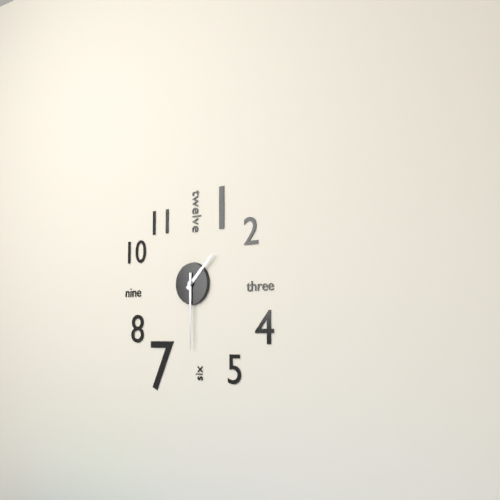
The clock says {"hour": 1, "minute": 30}
